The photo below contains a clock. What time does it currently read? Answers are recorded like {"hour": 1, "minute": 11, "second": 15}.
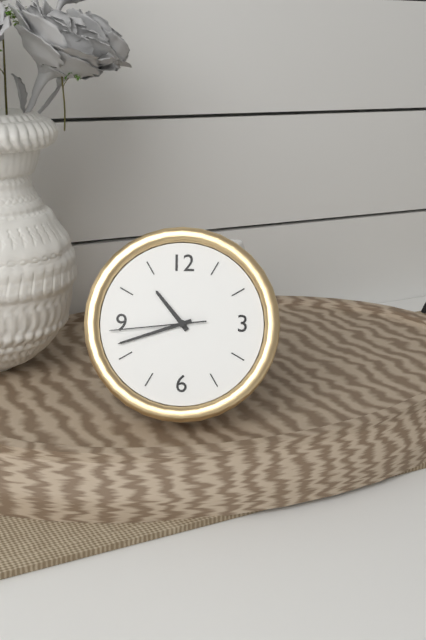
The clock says {"hour": 10, "minute": 42, "second": 44}
